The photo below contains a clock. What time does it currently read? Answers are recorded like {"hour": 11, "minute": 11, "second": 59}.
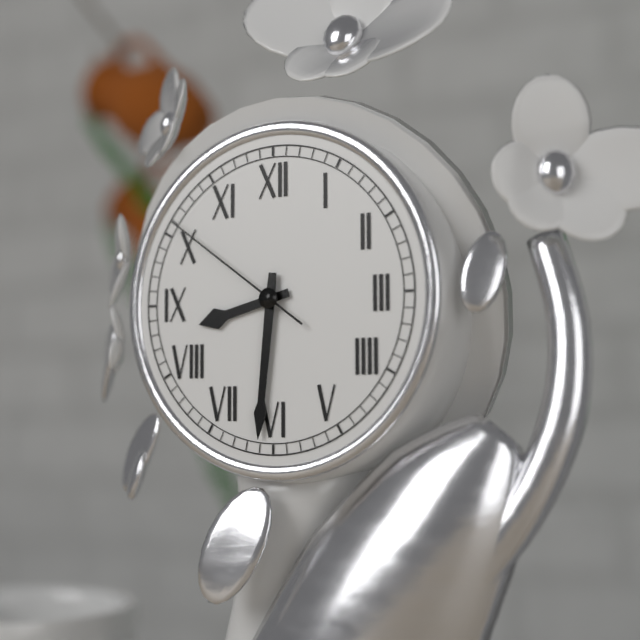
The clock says {"hour": 8, "minute": 31, "second": 51}
